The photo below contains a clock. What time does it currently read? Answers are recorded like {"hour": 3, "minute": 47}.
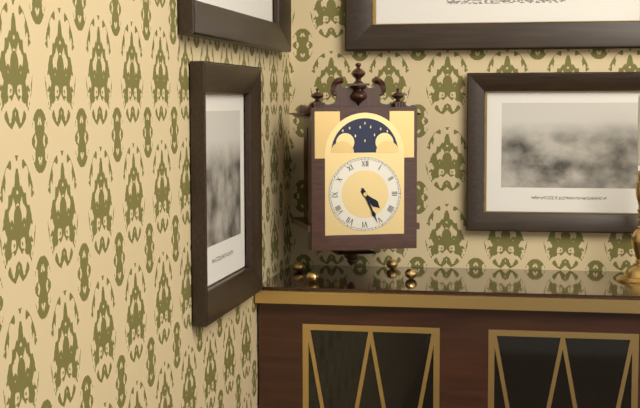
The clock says {"hour": 4, "minute": 26}
